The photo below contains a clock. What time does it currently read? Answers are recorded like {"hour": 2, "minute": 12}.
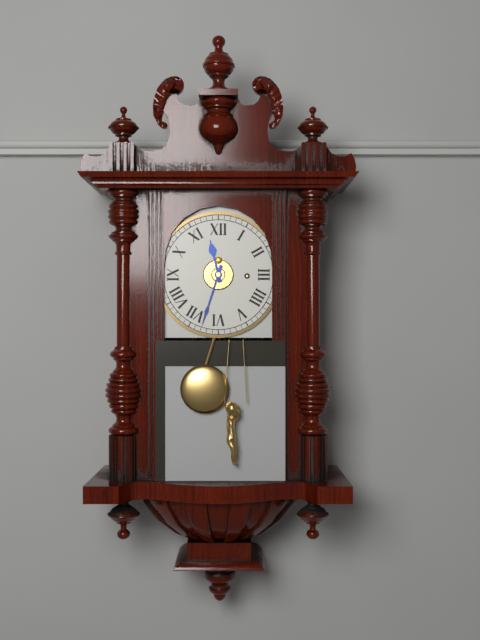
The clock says {"hour": 11, "minute": 33}
